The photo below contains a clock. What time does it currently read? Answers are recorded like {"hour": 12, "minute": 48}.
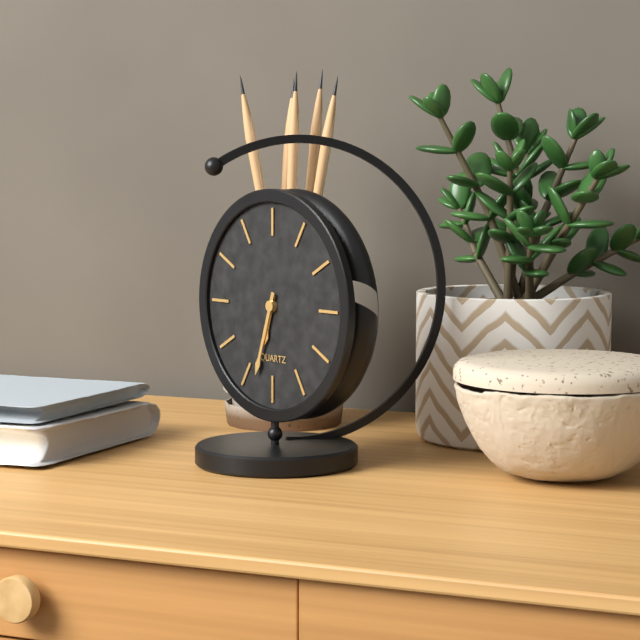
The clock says {"hour": 6, "minute": 33}
